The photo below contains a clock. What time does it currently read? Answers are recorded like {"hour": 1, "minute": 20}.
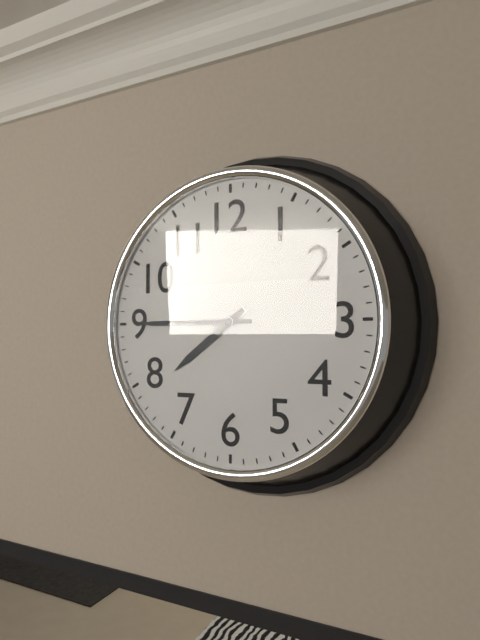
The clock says {"hour": 7, "minute": 45}
